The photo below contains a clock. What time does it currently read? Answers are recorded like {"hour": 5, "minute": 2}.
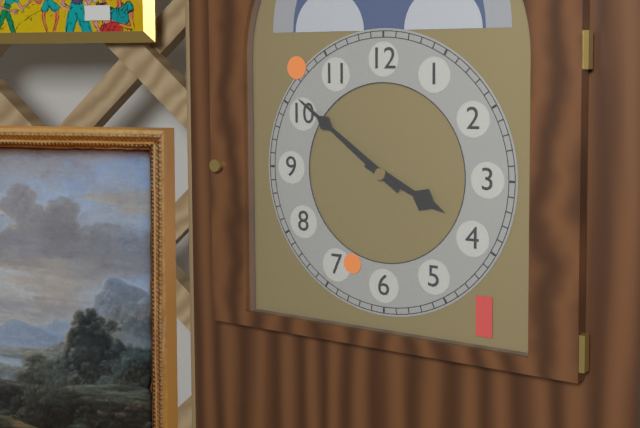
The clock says {"hour": 3, "minute": 51}
